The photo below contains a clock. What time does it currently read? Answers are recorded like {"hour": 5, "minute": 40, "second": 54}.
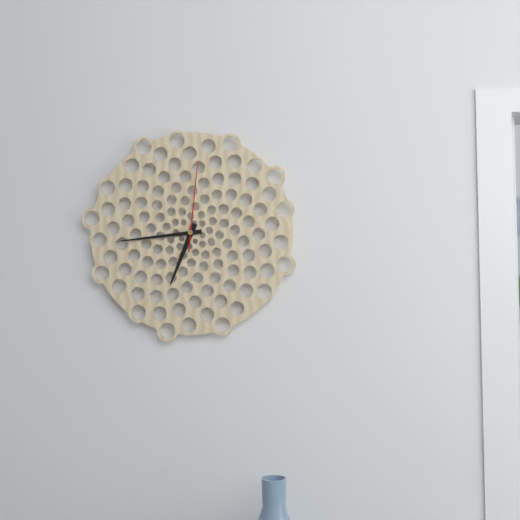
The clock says {"hour": 6, "minute": 44, "second": 1}
